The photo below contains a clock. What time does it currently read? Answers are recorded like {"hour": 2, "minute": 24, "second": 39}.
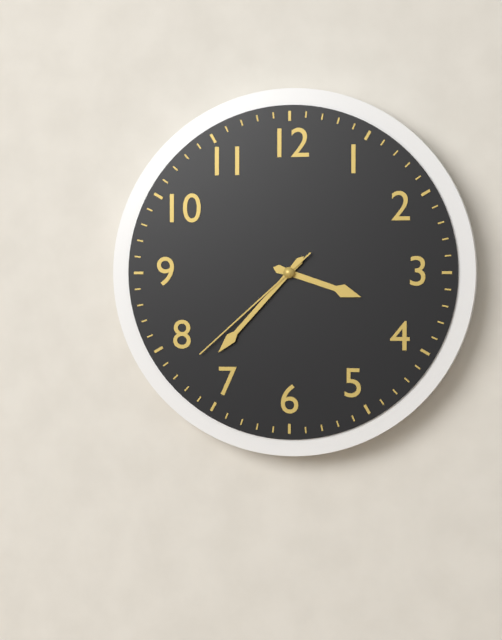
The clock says {"hour": 3, "minute": 37, "second": 38}
